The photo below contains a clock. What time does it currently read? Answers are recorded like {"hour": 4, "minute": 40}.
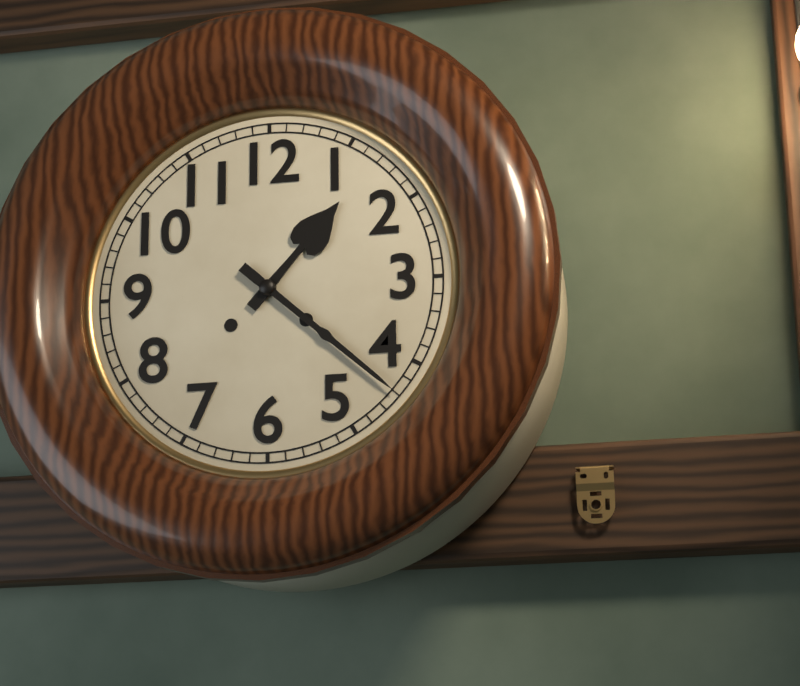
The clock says {"hour": 1, "minute": 22}
